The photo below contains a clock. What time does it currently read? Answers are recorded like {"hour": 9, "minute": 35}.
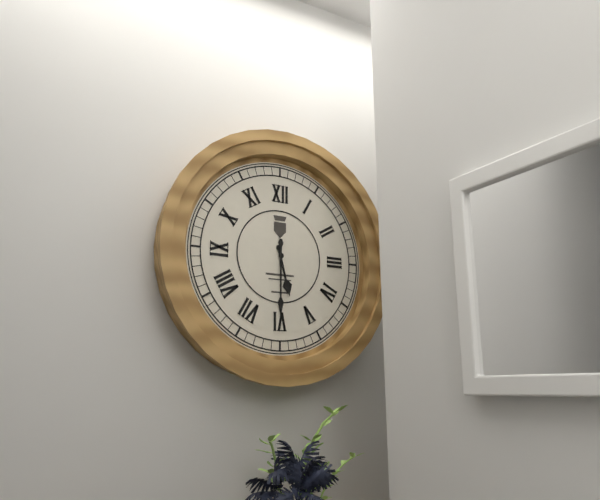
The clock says {"hour": 5, "minute": 30}
